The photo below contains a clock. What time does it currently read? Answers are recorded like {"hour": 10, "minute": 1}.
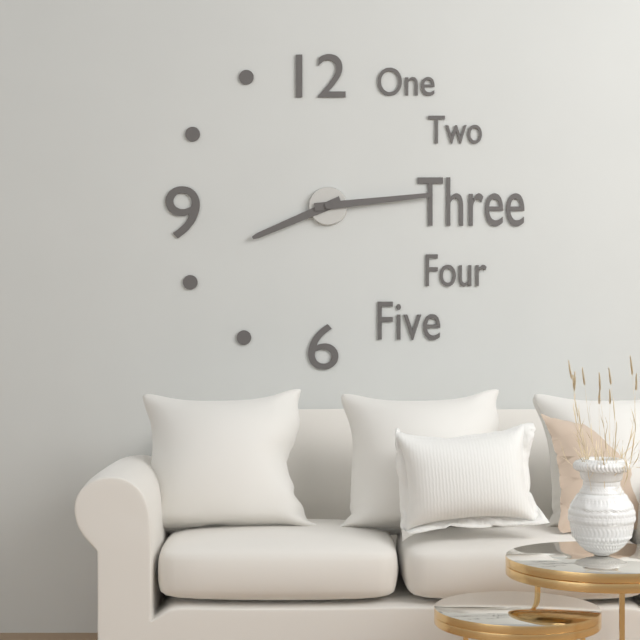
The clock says {"hour": 8, "minute": 14}
